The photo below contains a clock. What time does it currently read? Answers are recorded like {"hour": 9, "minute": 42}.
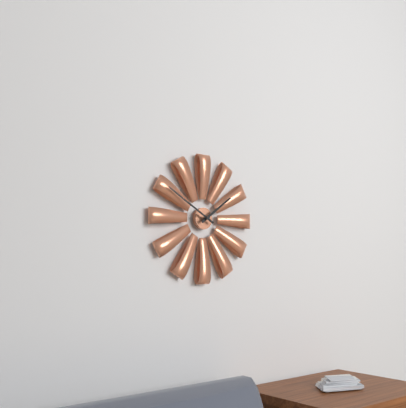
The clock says {"hour": 1, "minute": 50}
